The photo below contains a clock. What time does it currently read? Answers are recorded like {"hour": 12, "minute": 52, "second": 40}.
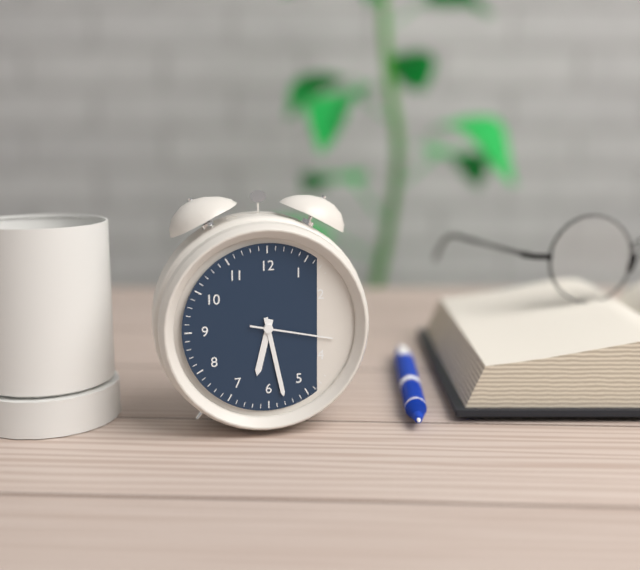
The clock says {"hour": 6, "minute": 28, "second": 17}
